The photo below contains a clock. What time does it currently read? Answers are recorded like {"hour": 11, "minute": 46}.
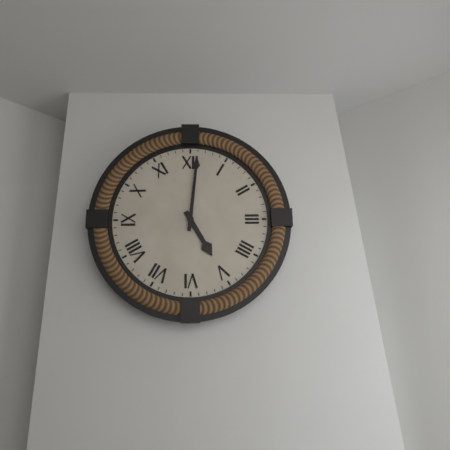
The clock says {"hour": 5, "minute": 1}
